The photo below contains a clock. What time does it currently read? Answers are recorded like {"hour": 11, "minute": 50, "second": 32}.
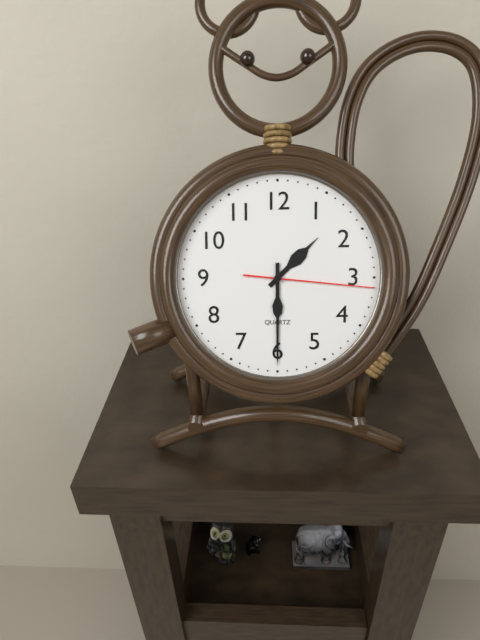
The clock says {"hour": 1, "minute": 30, "second": 16}
